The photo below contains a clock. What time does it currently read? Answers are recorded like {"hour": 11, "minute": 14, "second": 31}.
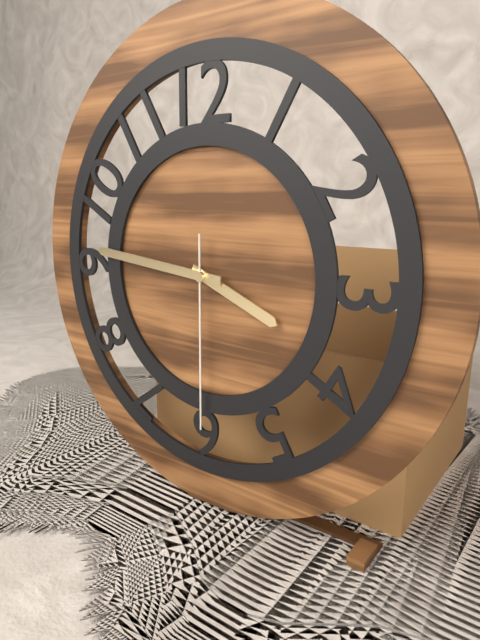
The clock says {"hour": 3, "minute": 46, "second": 30}
